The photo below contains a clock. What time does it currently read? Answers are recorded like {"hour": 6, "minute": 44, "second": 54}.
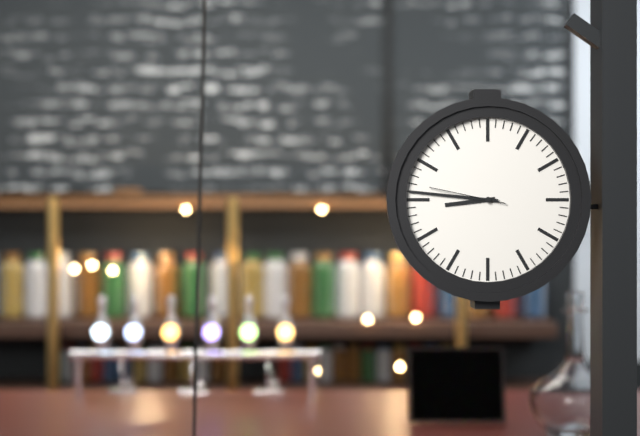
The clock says {"hour": 8, "minute": 46, "second": 47}
